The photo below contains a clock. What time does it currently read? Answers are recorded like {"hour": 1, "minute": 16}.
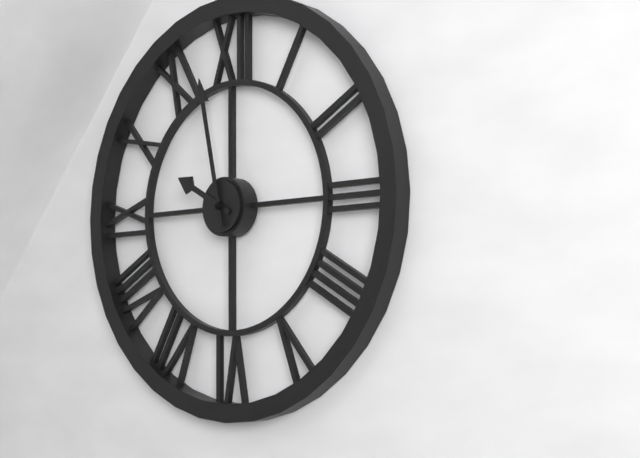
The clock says {"hour": 9, "minute": 58}
